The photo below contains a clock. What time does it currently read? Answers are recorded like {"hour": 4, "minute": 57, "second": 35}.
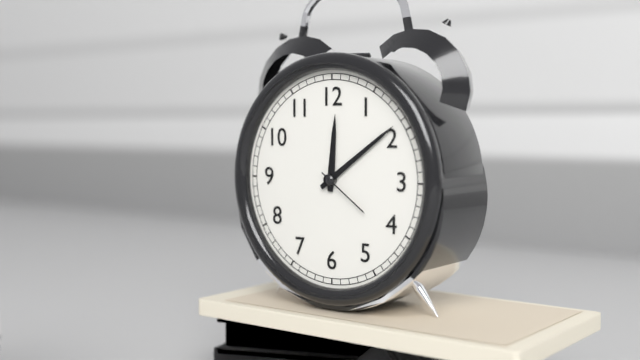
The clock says {"hour": 12, "minute": 9, "second": 21}
